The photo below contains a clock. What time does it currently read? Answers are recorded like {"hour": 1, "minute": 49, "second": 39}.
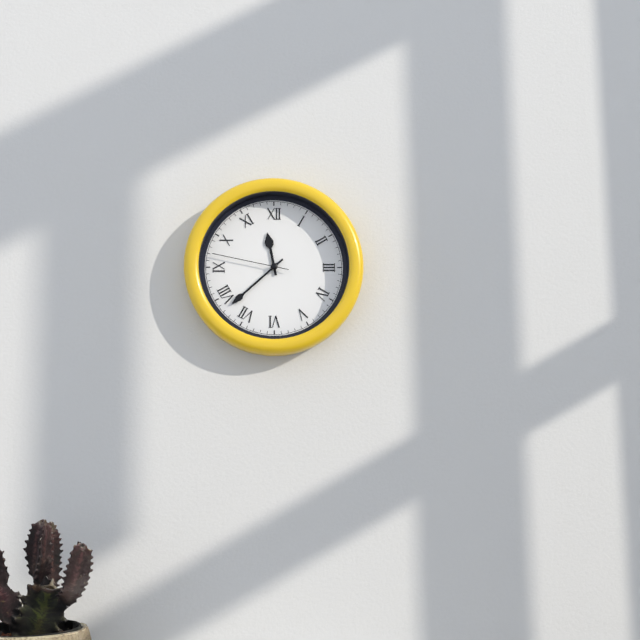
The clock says {"hour": 11, "minute": 38, "second": 47}
